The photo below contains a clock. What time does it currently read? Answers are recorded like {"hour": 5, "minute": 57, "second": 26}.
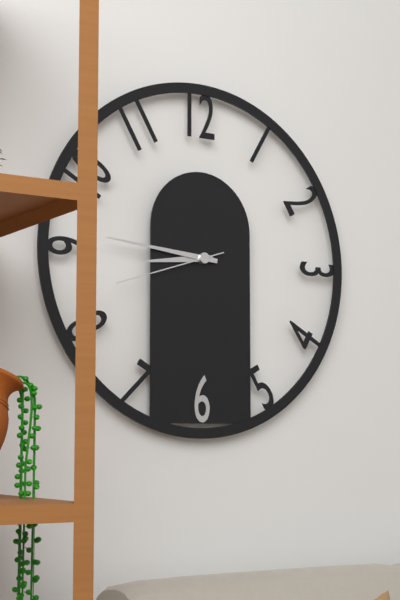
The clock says {"hour": 8, "minute": 46, "second": 42}
